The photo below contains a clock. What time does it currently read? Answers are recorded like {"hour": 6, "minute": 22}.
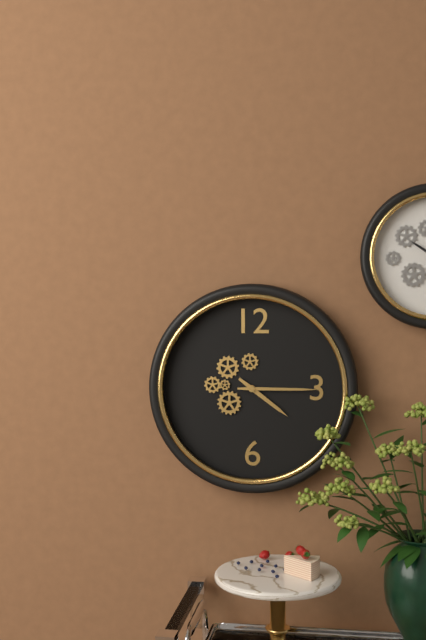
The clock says {"hour": 4, "minute": 15}
